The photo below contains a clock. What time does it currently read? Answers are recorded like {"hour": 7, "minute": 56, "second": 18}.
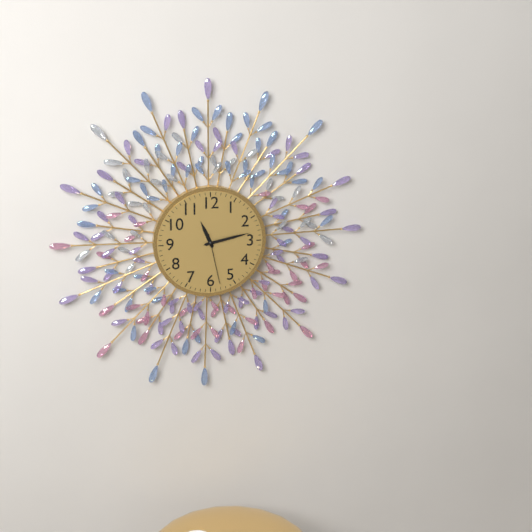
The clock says {"hour": 11, "minute": 13, "second": 28}
